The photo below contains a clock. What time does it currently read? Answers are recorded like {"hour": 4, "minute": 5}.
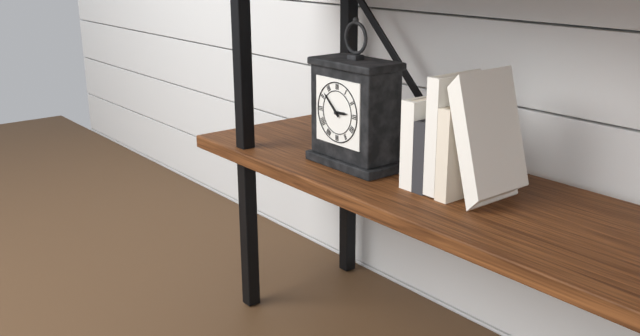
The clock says {"hour": 2, "minute": 52}
